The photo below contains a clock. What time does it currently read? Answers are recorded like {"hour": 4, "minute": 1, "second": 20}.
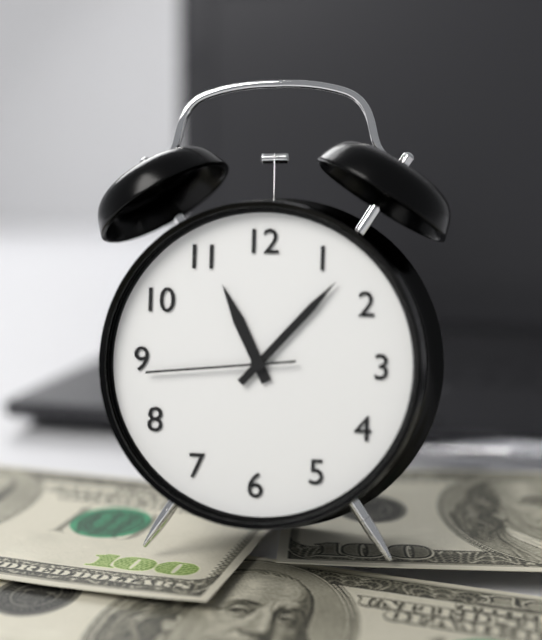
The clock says {"hour": 11, "minute": 7, "second": 44}
